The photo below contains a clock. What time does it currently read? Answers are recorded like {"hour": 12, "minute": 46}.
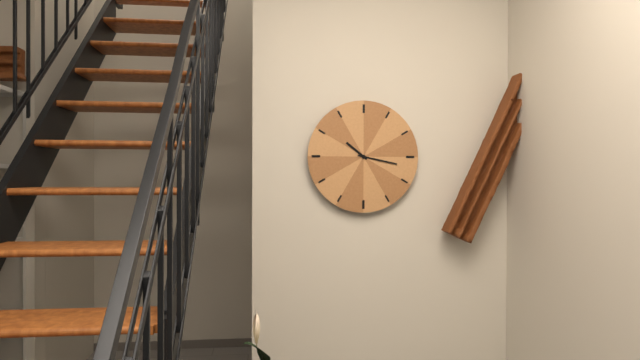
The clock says {"hour": 10, "minute": 17}
